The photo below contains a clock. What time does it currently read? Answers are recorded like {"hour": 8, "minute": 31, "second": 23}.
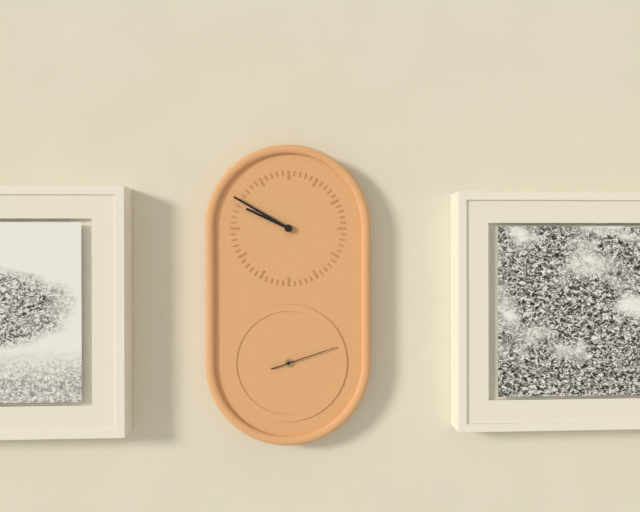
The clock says {"hour": 9, "minute": 50, "second": 12}
